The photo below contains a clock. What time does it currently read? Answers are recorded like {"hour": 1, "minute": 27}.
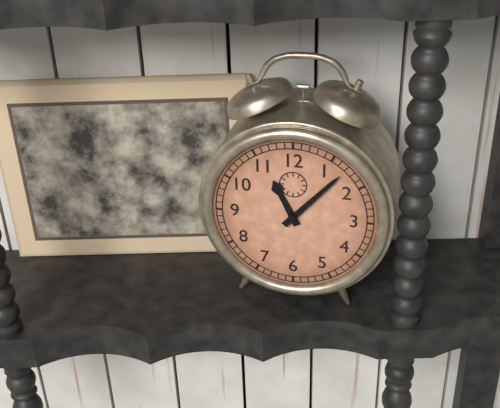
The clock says {"hour": 11, "minute": 7}
